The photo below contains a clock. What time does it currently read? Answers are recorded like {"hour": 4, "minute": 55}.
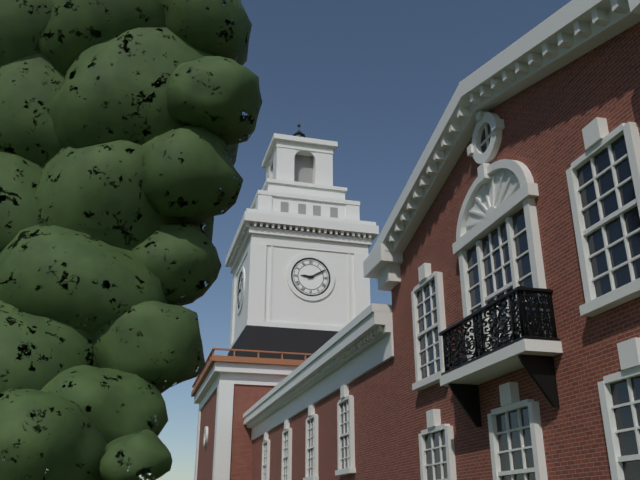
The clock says {"hour": 9, "minute": 10}
